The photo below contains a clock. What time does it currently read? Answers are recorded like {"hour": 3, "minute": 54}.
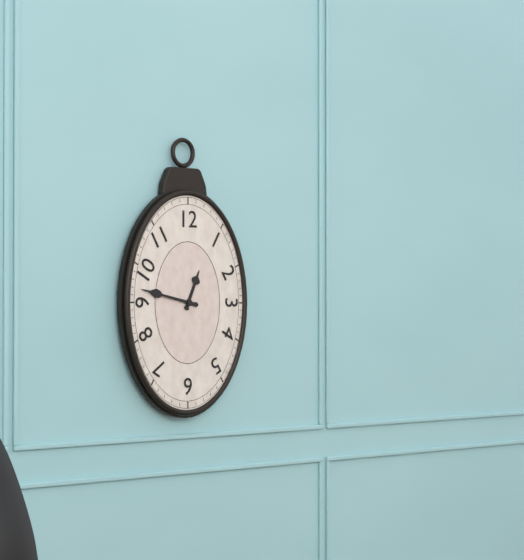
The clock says {"hour": 12, "minute": 47}
